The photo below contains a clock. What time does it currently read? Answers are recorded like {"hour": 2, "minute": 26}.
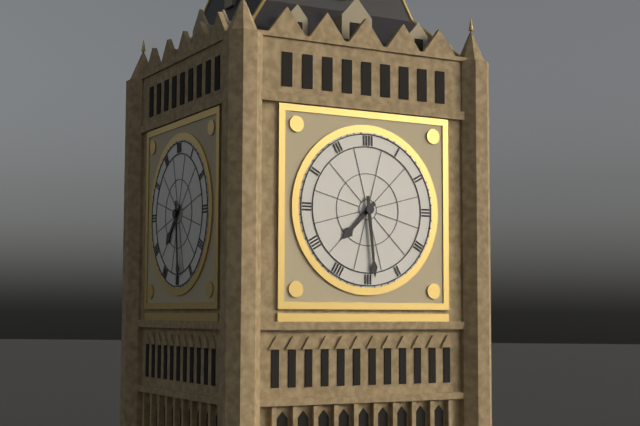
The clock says {"hour": 7, "minute": 29}
